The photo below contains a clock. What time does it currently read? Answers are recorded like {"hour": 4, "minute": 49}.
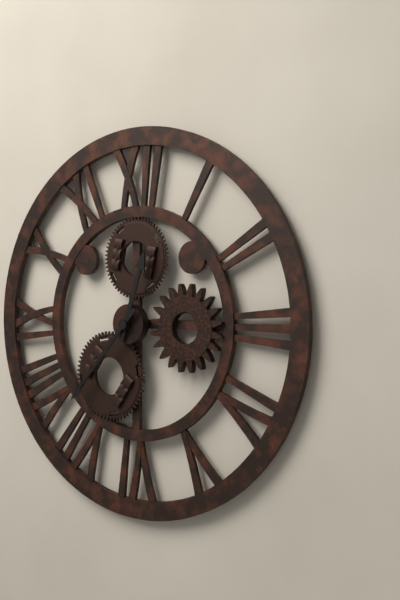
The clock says {"hour": 12, "minute": 37}
